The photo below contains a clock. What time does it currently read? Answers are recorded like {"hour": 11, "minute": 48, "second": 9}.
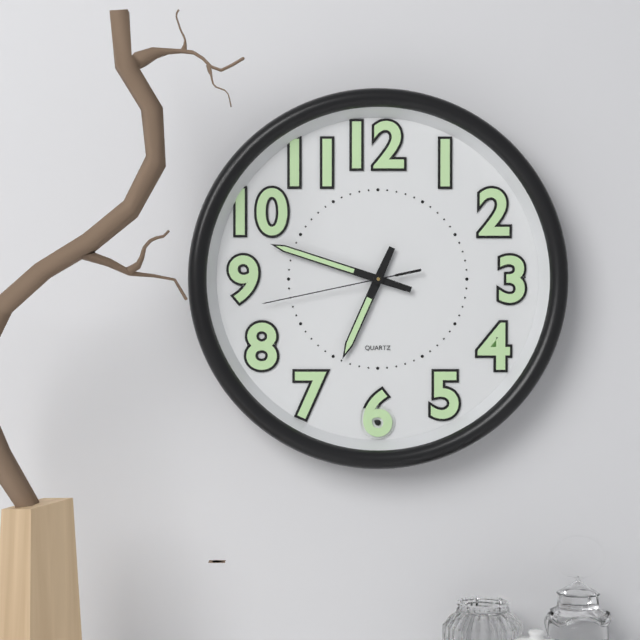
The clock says {"hour": 6, "minute": 48, "second": 43}
